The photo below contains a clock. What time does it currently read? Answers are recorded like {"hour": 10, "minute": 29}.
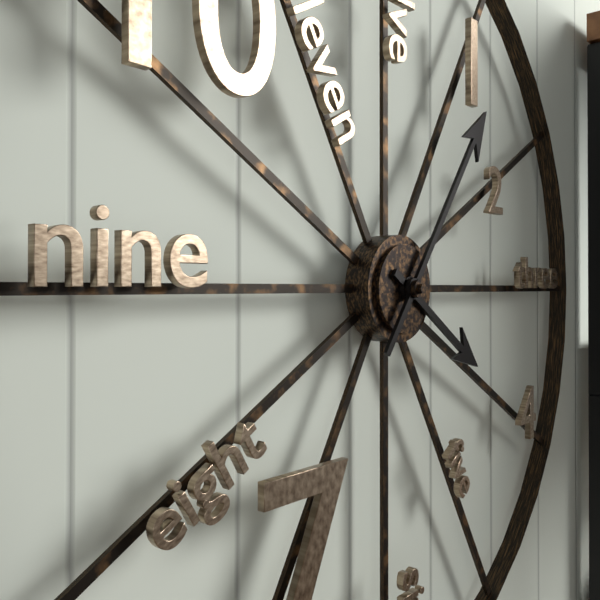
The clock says {"hour": 4, "minute": 6}
